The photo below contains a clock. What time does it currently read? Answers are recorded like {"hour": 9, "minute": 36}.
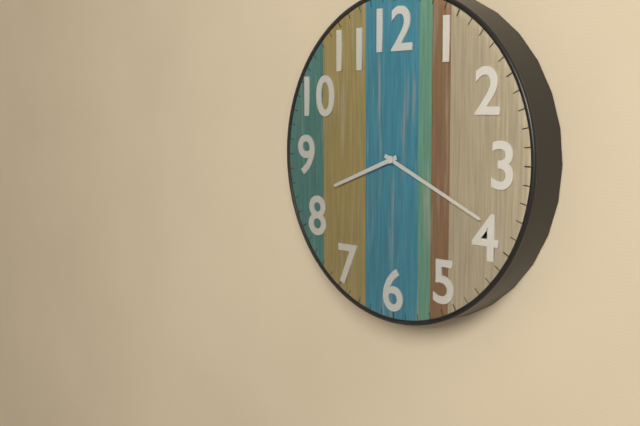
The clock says {"hour": 8, "minute": 19}
